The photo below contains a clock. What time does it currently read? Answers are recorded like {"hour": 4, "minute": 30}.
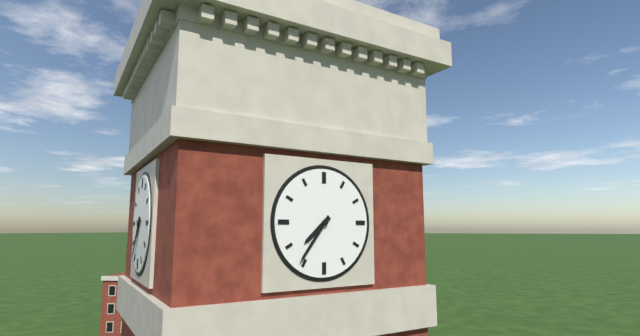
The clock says {"hour": 7, "minute": 36}
